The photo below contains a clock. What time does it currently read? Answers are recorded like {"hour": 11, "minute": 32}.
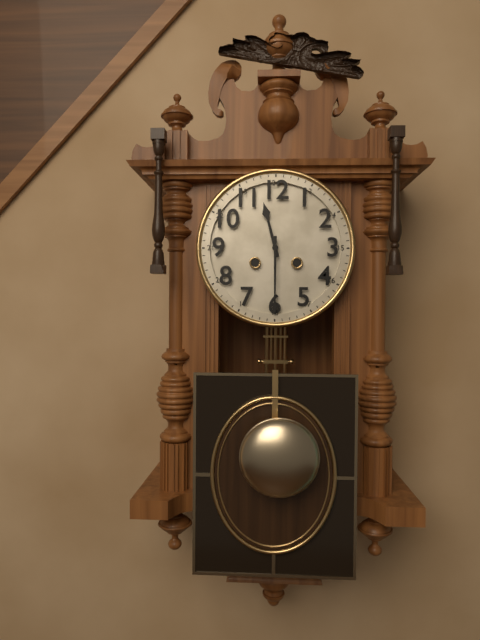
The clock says {"hour": 11, "minute": 30}
